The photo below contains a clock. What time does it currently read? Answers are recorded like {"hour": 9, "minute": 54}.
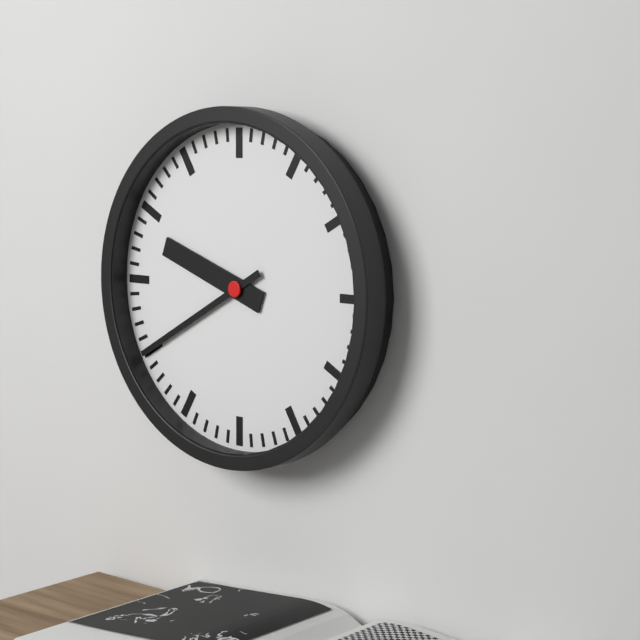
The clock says {"hour": 9, "minute": 40}
